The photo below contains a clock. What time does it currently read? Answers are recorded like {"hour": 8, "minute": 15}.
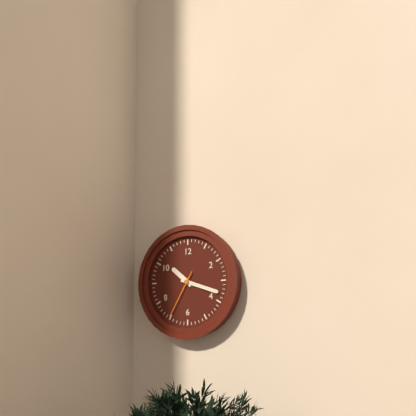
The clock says {"hour": 10, "minute": 18}
